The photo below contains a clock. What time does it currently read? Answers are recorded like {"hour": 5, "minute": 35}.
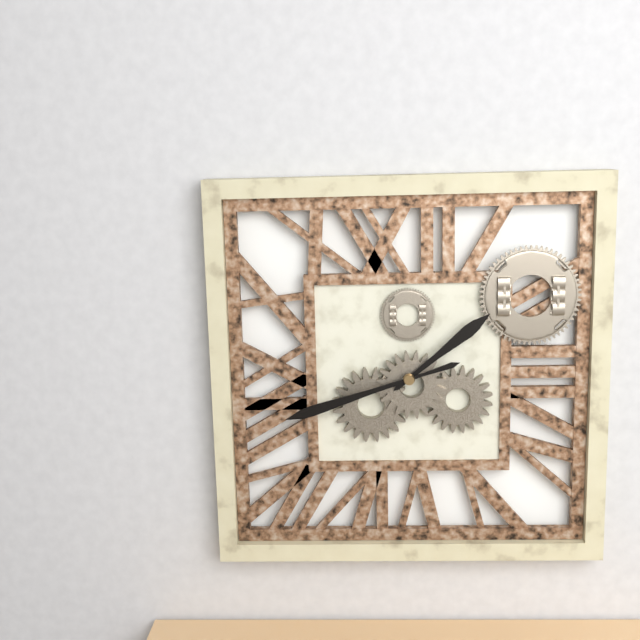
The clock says {"hour": 1, "minute": 42}
